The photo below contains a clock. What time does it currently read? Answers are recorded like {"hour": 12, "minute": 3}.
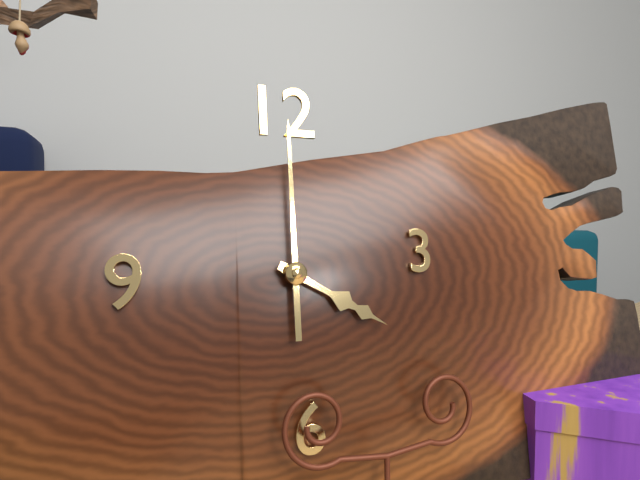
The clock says {"hour": 4, "minute": 0}
